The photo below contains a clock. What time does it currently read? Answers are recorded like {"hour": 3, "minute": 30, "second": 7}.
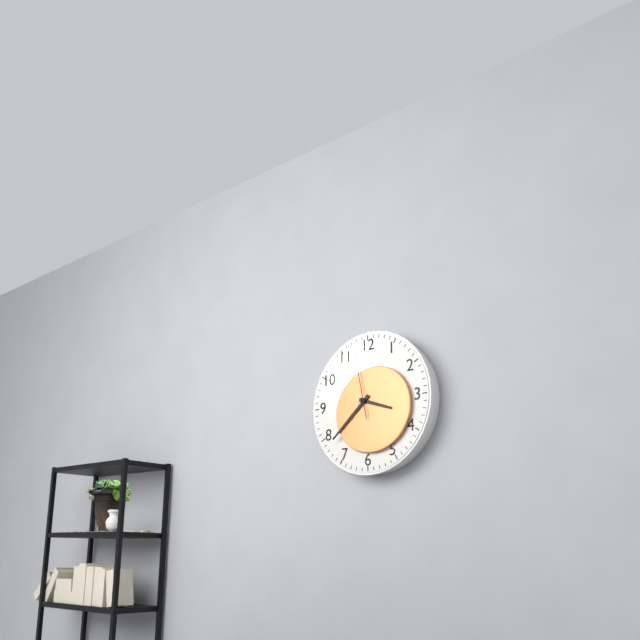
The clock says {"hour": 3, "minute": 38, "second": 58}
